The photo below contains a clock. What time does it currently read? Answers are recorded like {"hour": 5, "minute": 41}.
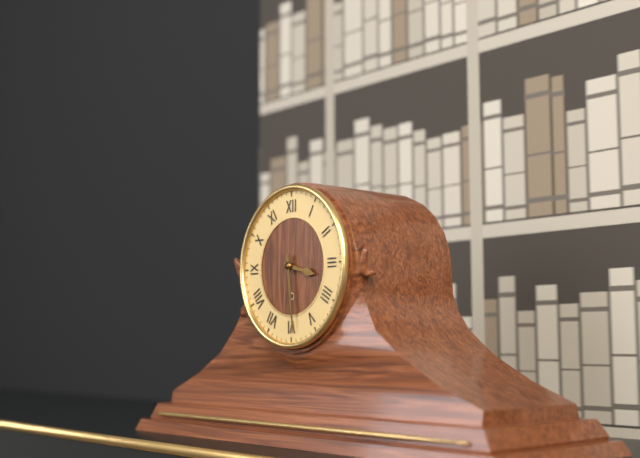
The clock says {"hour": 3, "minute": 29}
